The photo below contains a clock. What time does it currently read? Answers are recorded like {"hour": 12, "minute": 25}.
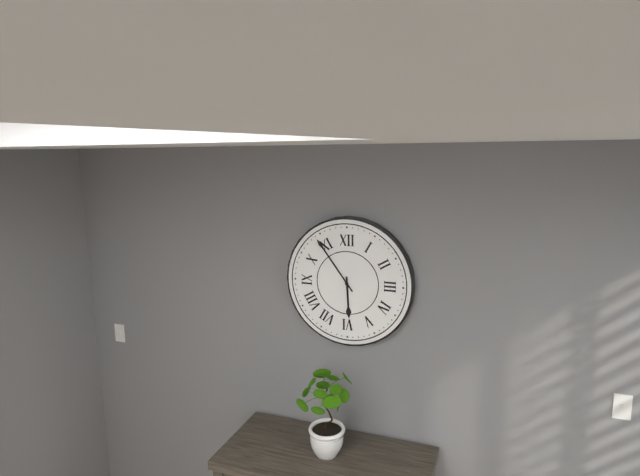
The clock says {"hour": 5, "minute": 54}
